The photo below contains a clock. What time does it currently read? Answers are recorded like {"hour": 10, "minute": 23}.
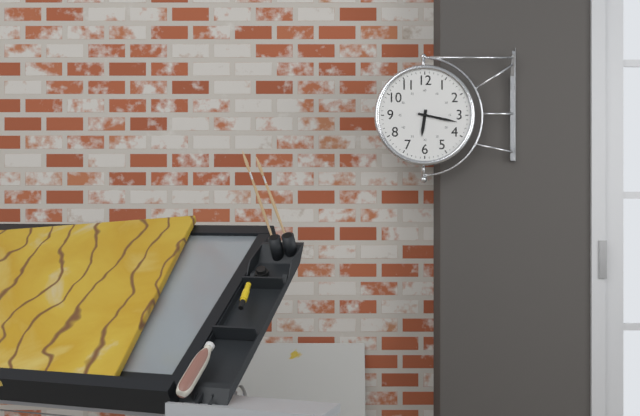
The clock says {"hour": 6, "minute": 17}
